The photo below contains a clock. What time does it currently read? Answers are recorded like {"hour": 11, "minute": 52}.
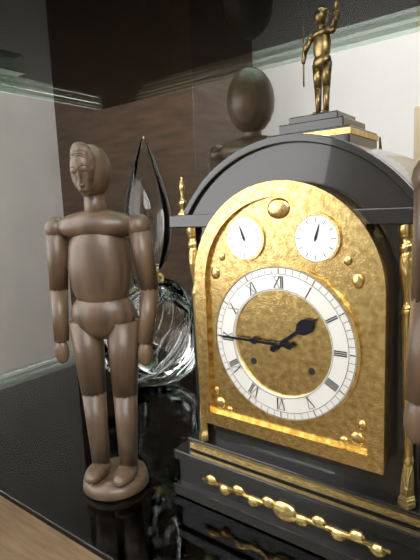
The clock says {"hour": 1, "minute": 45}
